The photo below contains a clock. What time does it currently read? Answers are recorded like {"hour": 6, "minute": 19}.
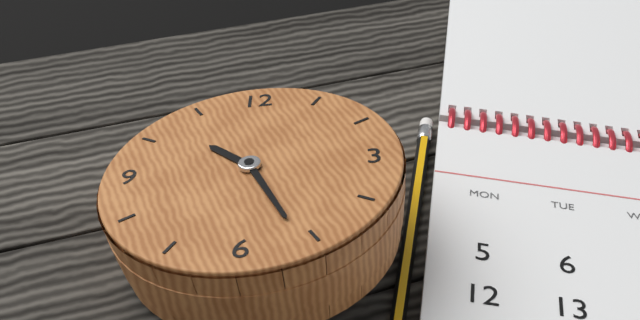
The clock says {"hour": 10, "minute": 26}
